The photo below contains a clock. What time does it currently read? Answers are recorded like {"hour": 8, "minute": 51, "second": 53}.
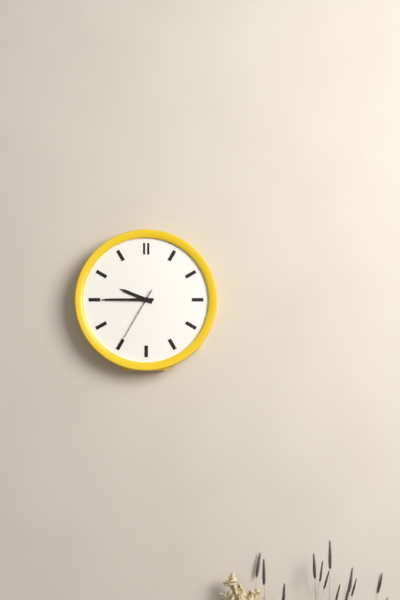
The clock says {"hour": 9, "minute": 45, "second": 35}
